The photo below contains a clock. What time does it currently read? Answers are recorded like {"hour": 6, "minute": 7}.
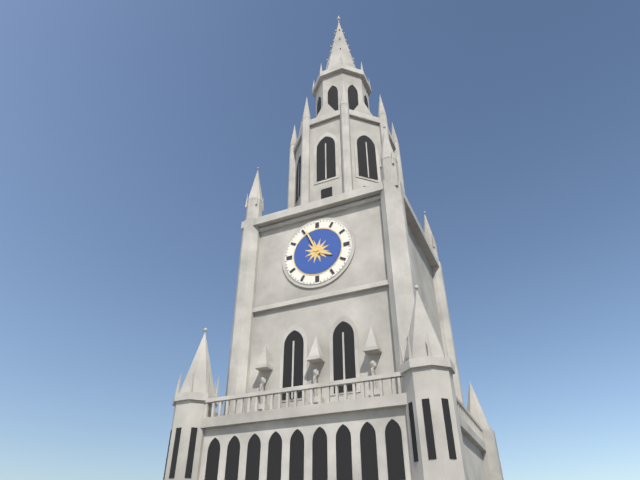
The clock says {"hour": 3, "minute": 56}
